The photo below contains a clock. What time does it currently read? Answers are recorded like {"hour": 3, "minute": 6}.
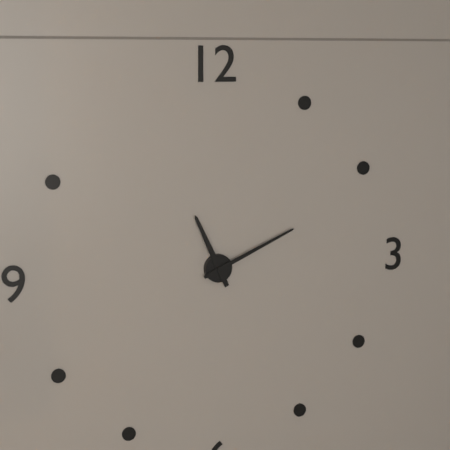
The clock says {"hour": 11, "minute": 11}
